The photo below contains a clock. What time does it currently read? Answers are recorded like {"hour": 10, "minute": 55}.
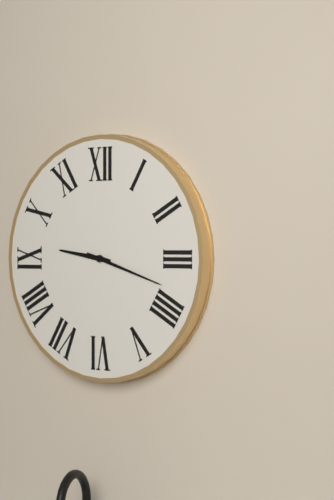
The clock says {"hour": 9, "minute": 18}
